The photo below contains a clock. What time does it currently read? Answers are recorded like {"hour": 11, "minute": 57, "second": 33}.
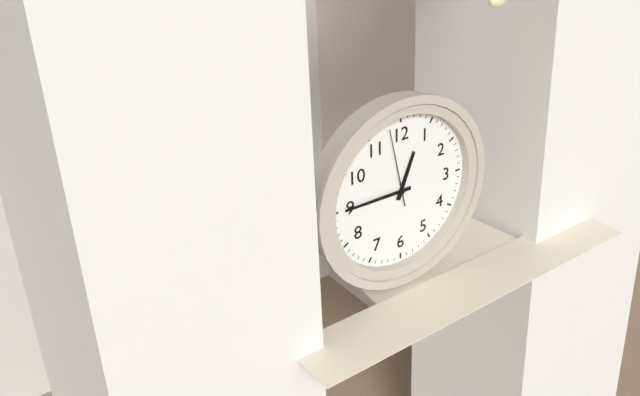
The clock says {"hour": 12, "minute": 45, "second": 58}
